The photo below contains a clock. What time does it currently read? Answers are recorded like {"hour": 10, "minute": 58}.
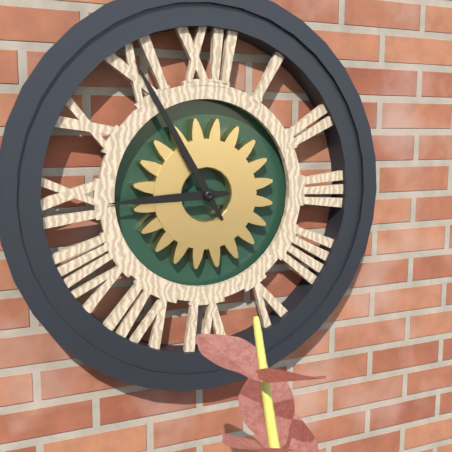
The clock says {"hour": 8, "minute": 55}
